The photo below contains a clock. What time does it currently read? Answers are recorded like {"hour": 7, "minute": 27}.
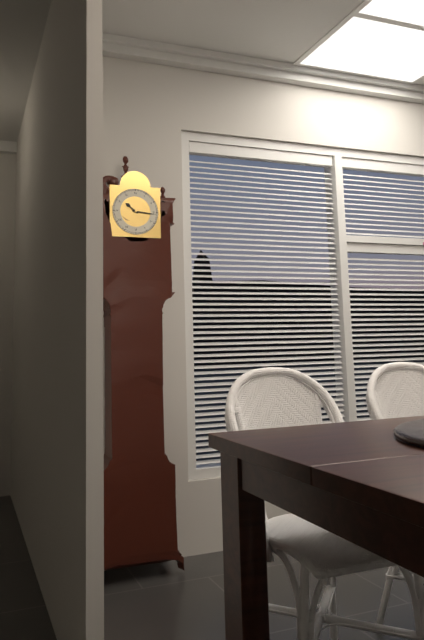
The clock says {"hour": 10, "minute": 16}
